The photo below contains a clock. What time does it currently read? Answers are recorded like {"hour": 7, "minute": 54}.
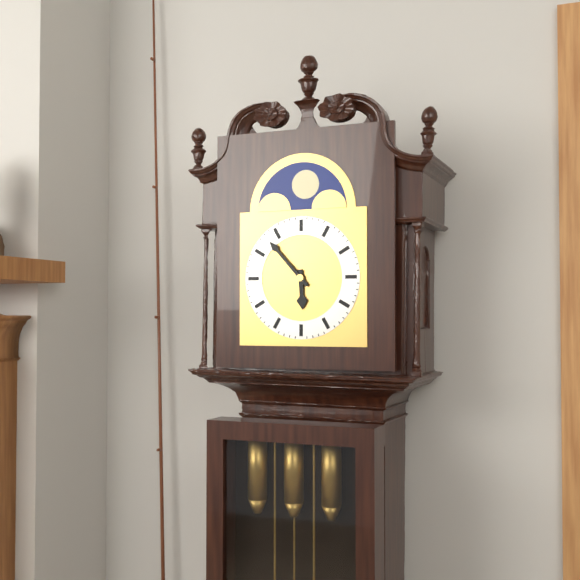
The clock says {"hour": 5, "minute": 53}
